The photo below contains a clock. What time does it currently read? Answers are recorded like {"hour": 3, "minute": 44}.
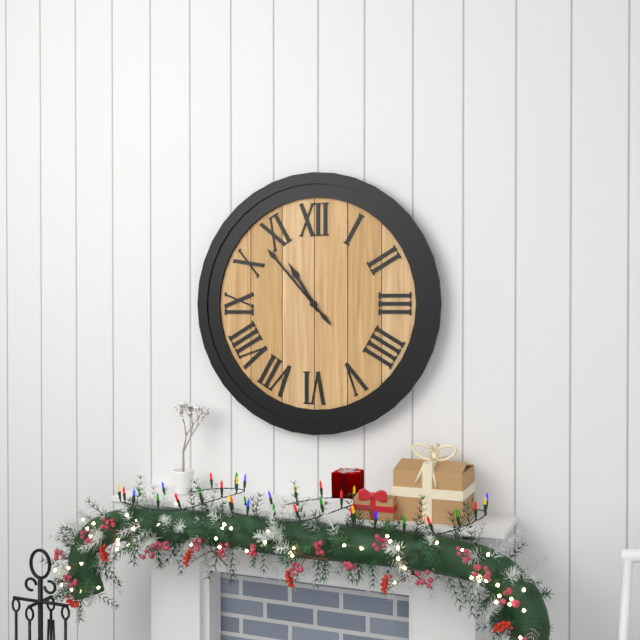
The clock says {"hour": 10, "minute": 53}
